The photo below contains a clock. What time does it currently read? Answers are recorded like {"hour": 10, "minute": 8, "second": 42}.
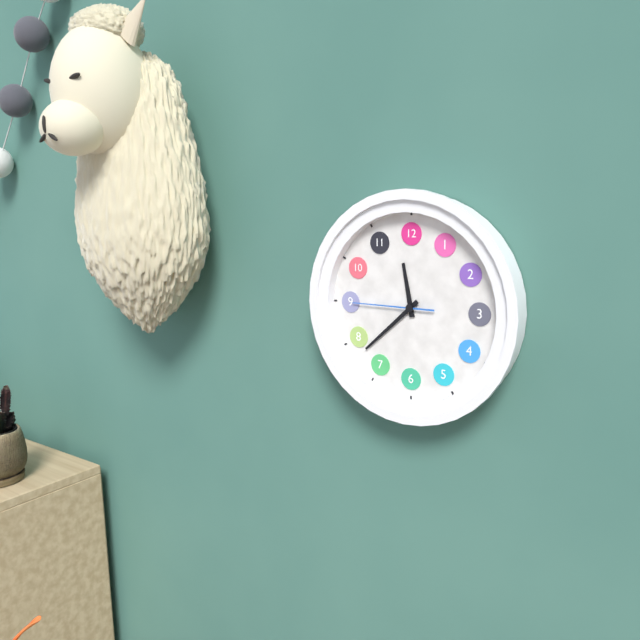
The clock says {"hour": 11, "minute": 38, "second": 45}
